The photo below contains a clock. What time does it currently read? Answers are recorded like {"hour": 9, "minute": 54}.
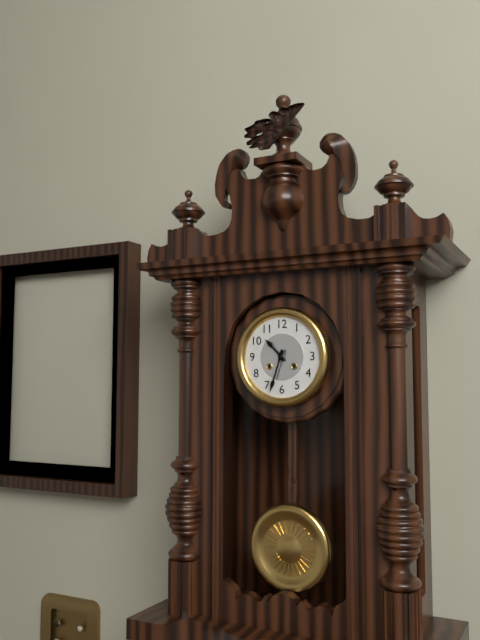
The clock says {"hour": 10, "minute": 33}
